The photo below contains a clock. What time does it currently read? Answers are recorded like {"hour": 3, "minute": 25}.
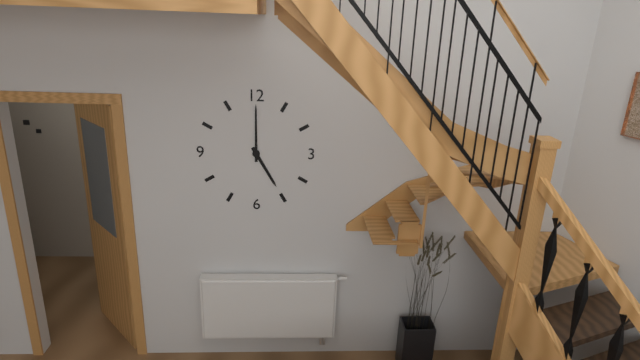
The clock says {"hour": 5, "minute": 0}
